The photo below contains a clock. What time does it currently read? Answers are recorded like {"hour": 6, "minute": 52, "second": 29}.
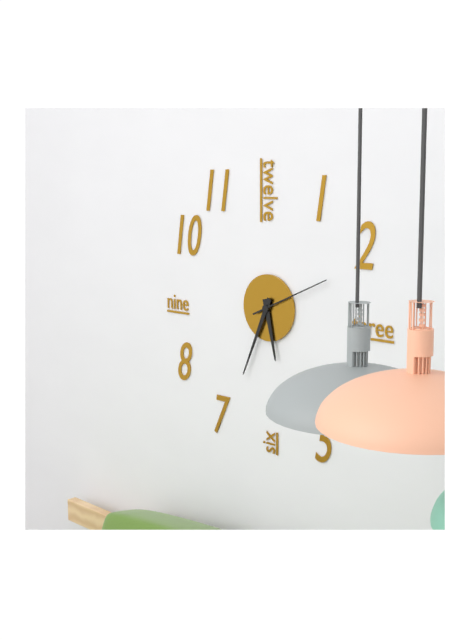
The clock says {"hour": 5, "minute": 34, "second": 11}
